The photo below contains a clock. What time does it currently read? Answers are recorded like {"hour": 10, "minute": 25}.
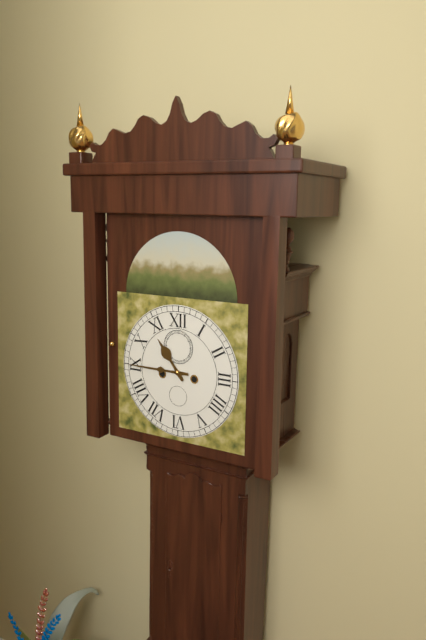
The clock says {"hour": 10, "minute": 45}
